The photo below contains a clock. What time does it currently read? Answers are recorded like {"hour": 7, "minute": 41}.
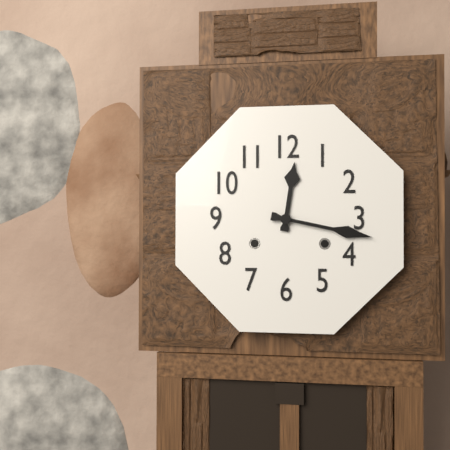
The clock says {"hour": 12, "minute": 17}
